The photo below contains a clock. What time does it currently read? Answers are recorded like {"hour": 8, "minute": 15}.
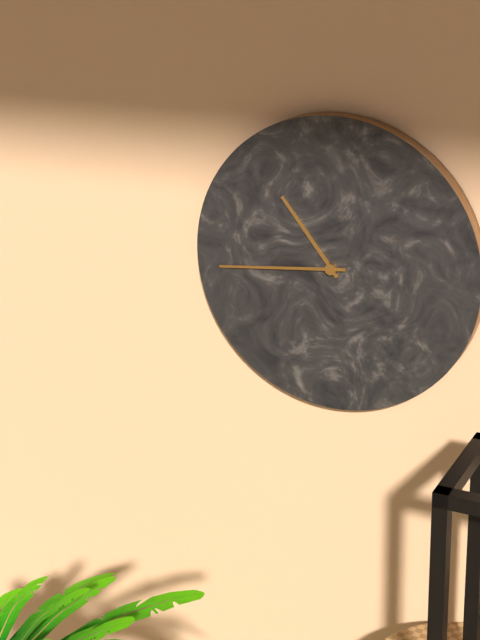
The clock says {"hour": 10, "minute": 44}
